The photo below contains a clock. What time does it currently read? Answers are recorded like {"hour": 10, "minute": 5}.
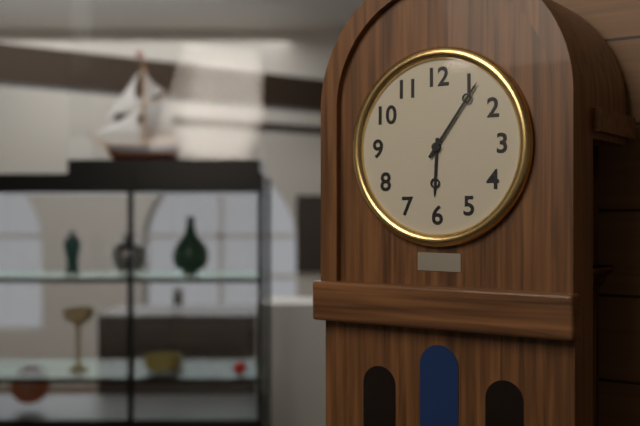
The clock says {"hour": 6, "minute": 6}
